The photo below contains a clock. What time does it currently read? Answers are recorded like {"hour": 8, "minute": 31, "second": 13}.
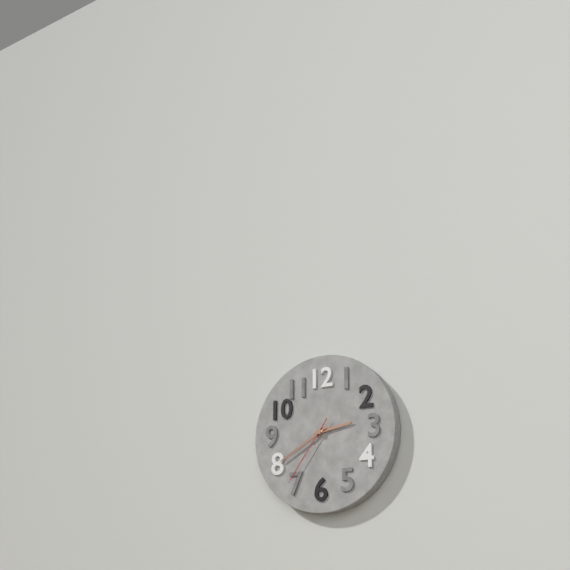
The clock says {"hour": 2, "minute": 40, "second": 36}
